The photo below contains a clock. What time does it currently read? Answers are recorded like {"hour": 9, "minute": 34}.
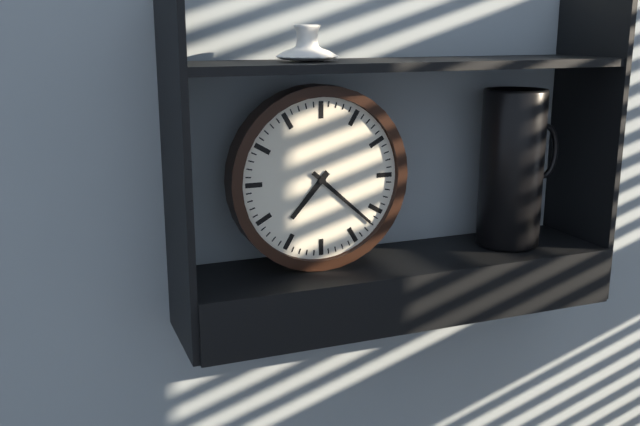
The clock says {"hour": 7, "minute": 22}
